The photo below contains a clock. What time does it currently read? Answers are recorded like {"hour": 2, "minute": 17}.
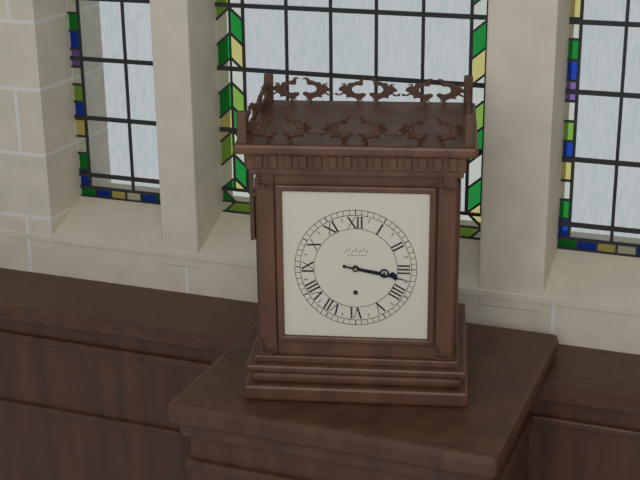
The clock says {"hour": 3, "minute": 17}
